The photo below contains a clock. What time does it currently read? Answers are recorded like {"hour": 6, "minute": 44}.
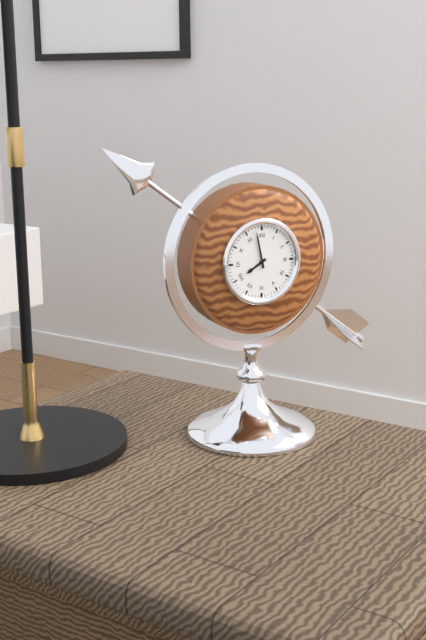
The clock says {"hour": 7, "minute": 58}
